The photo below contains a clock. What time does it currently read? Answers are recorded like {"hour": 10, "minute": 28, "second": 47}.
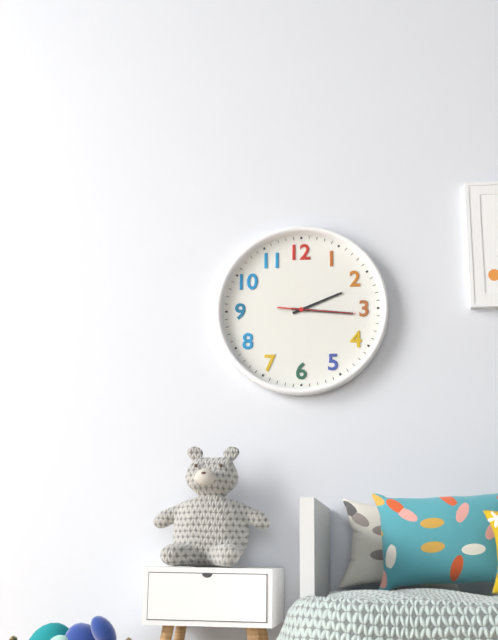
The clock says {"hour": 2, "minute": 16, "second": 16}
